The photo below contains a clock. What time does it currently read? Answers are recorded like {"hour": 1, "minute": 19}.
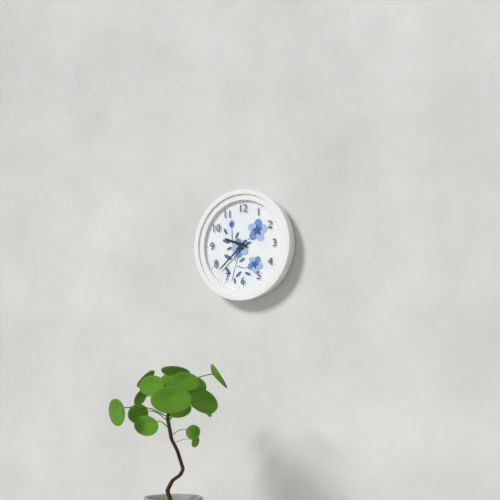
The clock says {"hour": 9, "minute": 38}
